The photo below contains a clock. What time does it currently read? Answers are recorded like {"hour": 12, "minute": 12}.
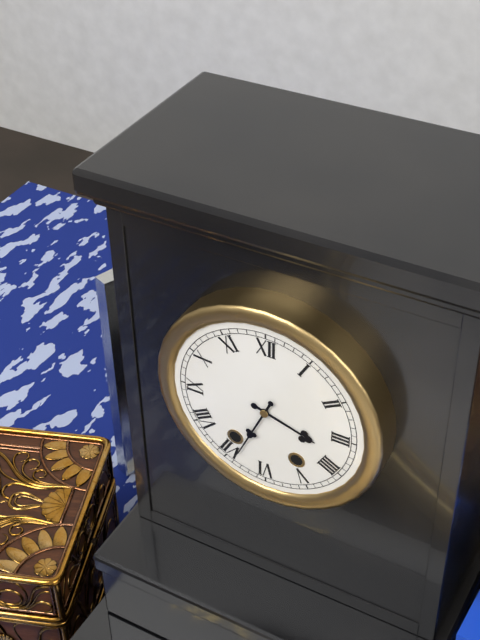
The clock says {"hour": 3, "minute": 34}
